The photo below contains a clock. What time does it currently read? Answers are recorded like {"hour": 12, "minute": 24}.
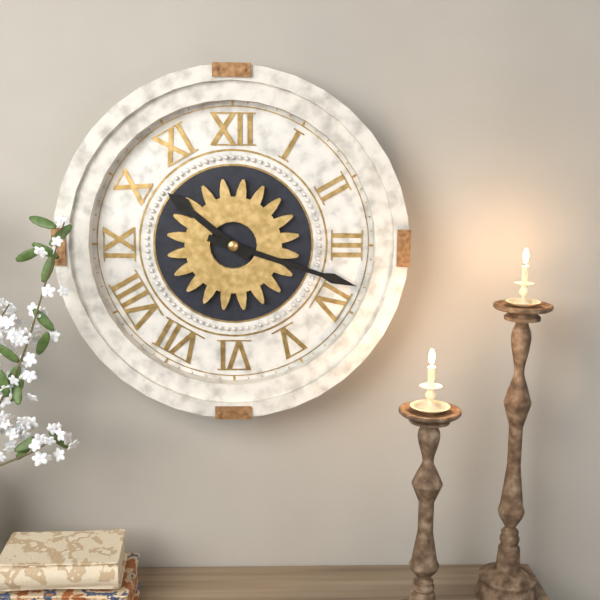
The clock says {"hour": 10, "minute": 18}
